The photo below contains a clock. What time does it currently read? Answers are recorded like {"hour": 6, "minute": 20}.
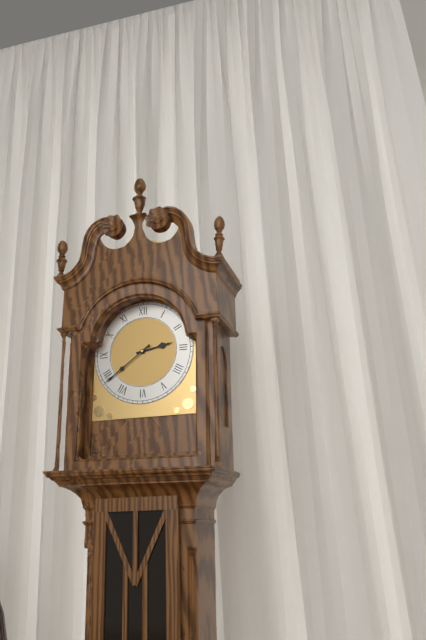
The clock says {"hour": 2, "minute": 39}
